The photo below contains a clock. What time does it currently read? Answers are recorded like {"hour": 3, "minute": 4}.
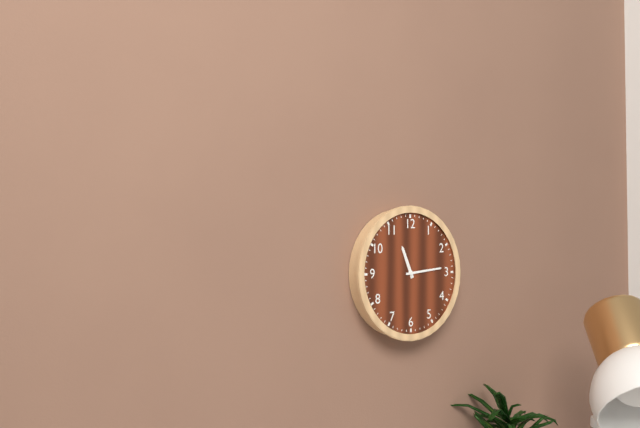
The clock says {"hour": 11, "minute": 14}
